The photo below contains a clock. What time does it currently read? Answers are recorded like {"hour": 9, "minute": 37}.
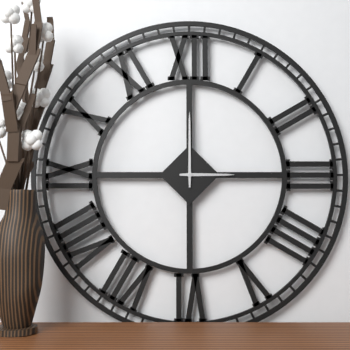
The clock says {"hour": 3, "minute": 0}
